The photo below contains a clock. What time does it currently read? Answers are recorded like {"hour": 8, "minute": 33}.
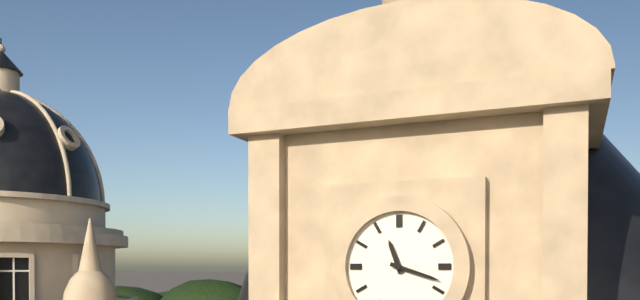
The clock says {"hour": 11, "minute": 18}
